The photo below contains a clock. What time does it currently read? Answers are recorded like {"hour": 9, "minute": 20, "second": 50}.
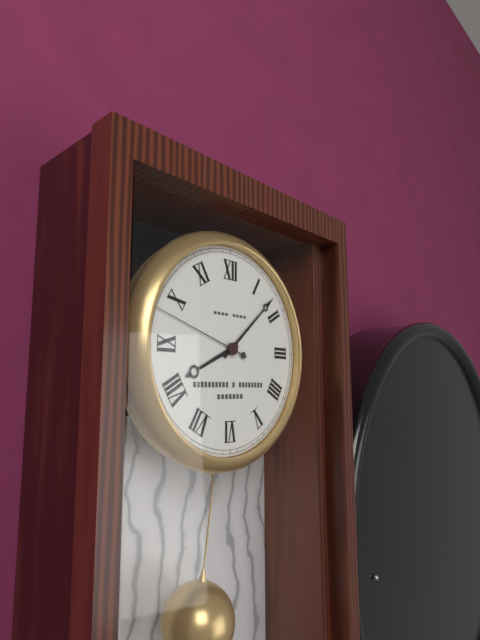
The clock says {"hour": 8, "minute": 8, "second": 48}
